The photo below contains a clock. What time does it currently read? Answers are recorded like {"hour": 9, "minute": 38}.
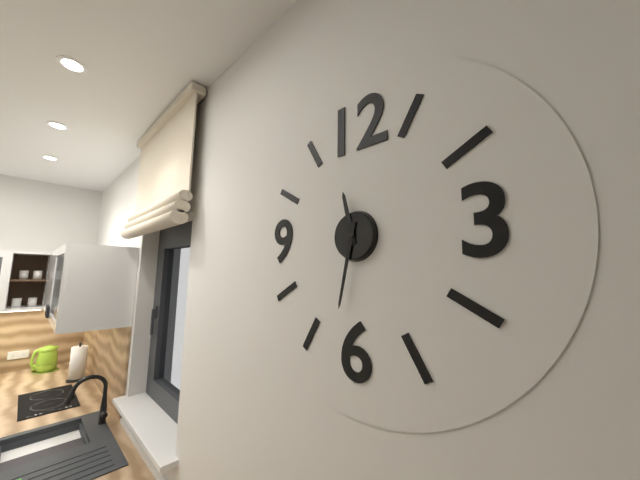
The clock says {"hour": 11, "minute": 32}
